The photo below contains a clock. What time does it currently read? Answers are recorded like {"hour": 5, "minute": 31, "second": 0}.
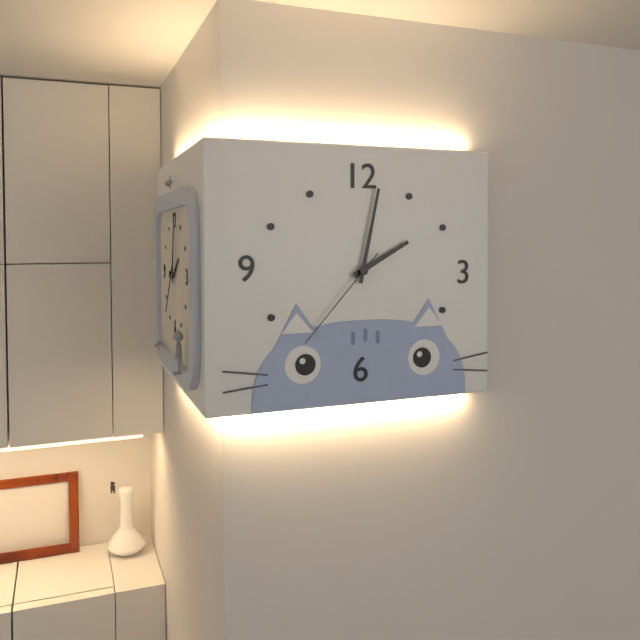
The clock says {"hour": 2, "minute": 2, "second": 37}
